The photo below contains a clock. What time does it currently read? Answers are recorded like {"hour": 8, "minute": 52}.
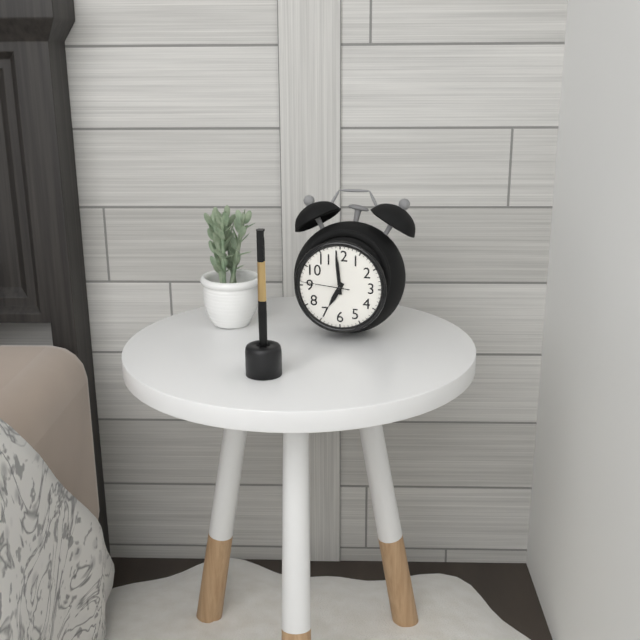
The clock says {"hour": 6, "minute": 59}
